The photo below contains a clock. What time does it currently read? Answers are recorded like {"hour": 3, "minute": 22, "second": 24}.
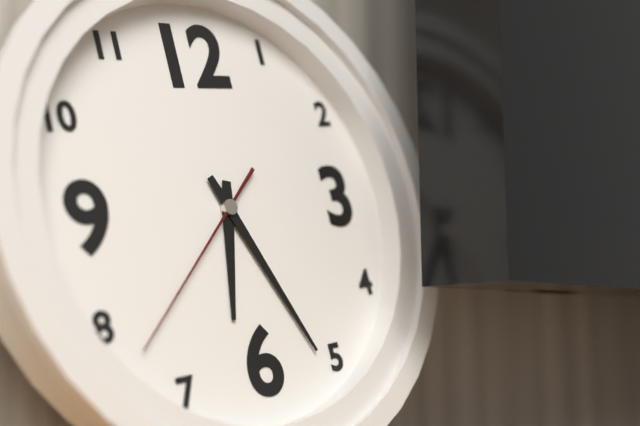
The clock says {"hour": 6, "minute": 26, "second": 38}
